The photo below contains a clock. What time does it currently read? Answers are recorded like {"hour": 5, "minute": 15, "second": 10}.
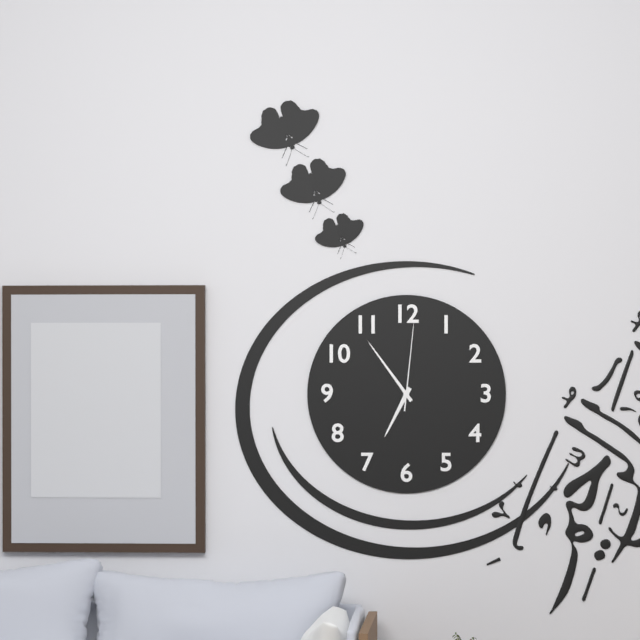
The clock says {"hour": 6, "minute": 54, "second": 1}
